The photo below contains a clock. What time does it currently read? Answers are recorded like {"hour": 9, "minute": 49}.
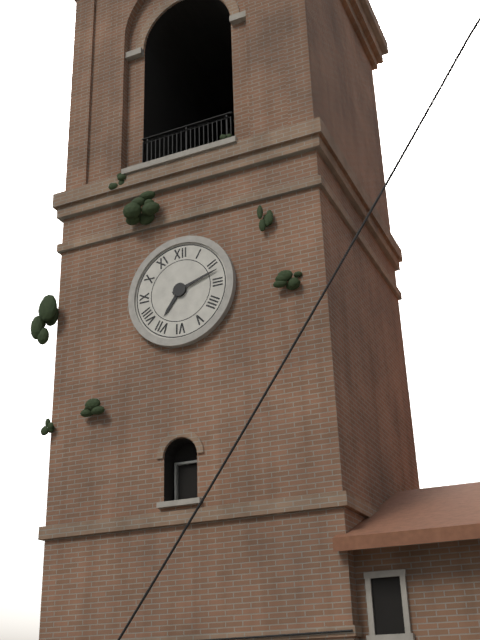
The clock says {"hour": 7, "minute": 12}
